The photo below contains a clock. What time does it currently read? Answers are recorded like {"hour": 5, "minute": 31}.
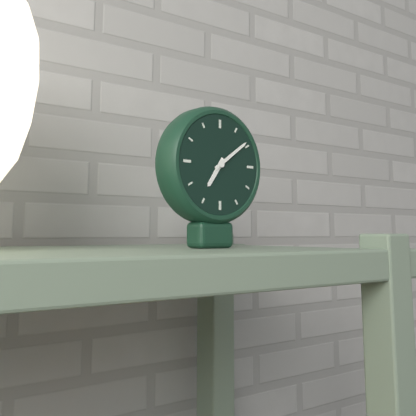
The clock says {"hour": 7, "minute": 9}
